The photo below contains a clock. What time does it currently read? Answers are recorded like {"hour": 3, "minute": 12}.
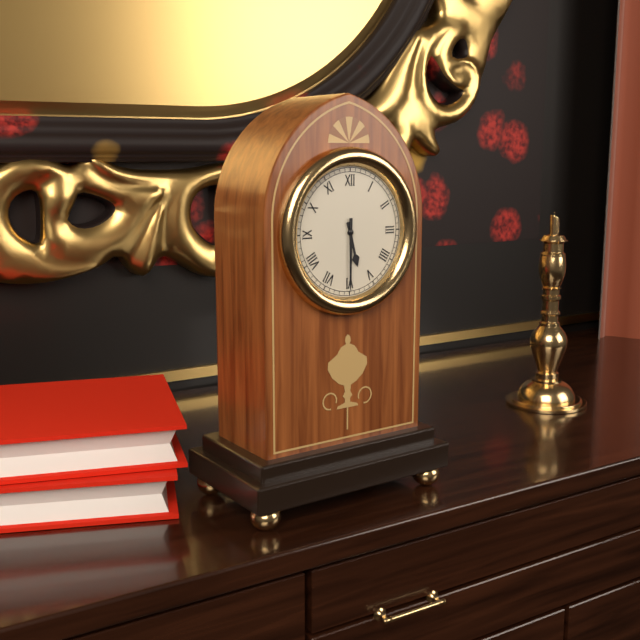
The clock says {"hour": 5, "minute": 30}
